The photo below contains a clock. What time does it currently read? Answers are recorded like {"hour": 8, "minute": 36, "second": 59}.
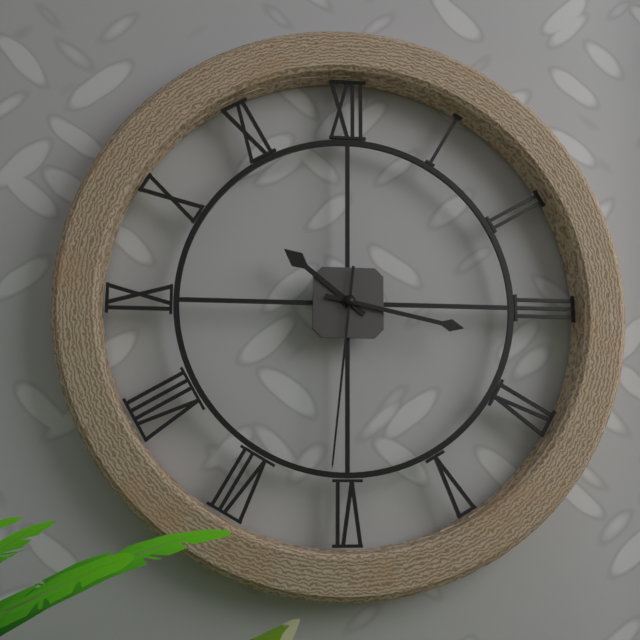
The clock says {"hour": 10, "minute": 17, "second": 31}
